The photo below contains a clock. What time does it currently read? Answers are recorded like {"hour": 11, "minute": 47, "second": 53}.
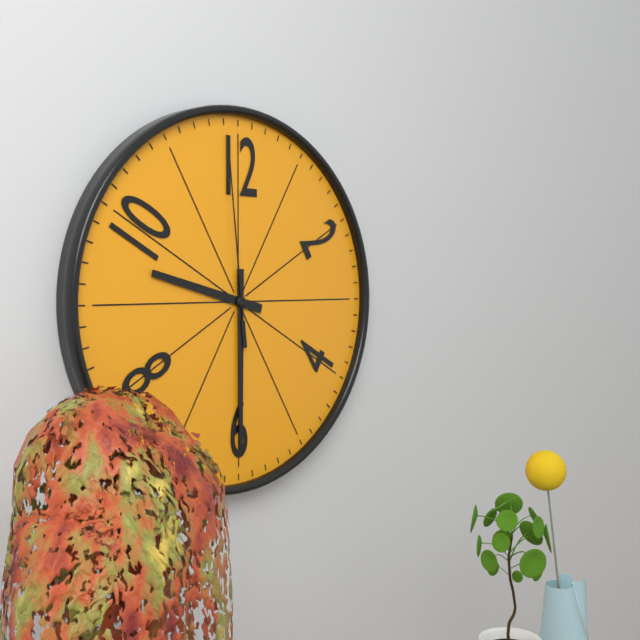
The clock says {"hour": 9, "minute": 30, "second": 59}
